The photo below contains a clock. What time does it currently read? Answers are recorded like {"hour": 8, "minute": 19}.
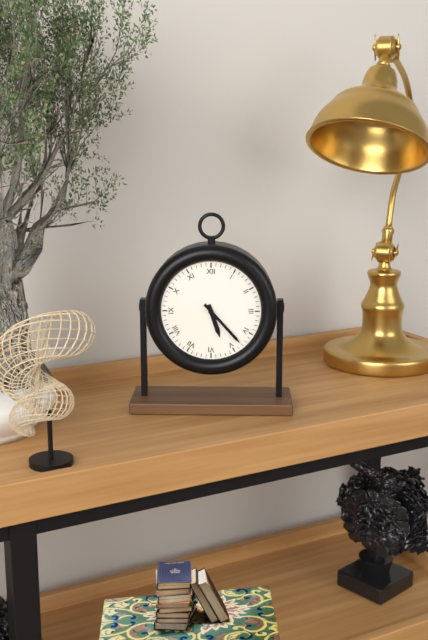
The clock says {"hour": 5, "minute": 23}
